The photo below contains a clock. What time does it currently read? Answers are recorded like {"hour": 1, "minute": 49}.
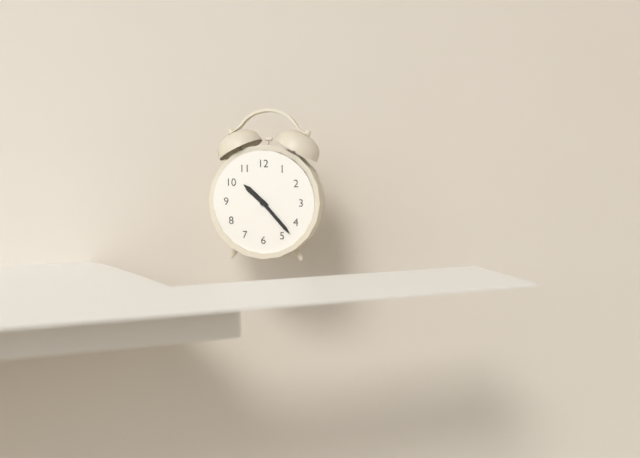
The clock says {"hour": 10, "minute": 23}
